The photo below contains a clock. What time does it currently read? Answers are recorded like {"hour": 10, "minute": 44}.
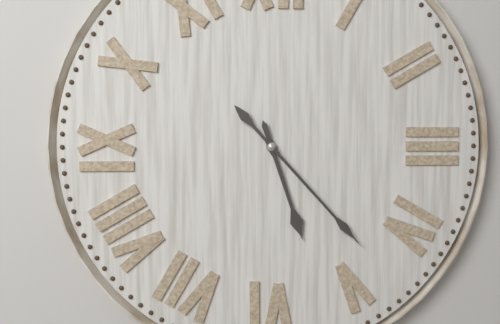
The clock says {"hour": 5, "minute": 23}
